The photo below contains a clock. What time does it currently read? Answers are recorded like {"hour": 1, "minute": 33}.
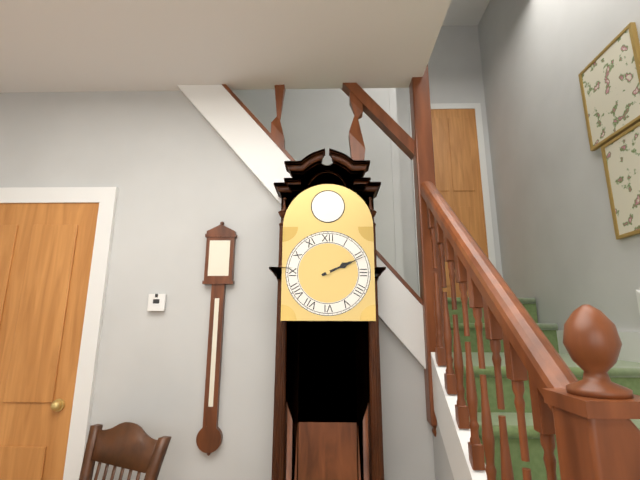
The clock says {"hour": 2, "minute": 11}
